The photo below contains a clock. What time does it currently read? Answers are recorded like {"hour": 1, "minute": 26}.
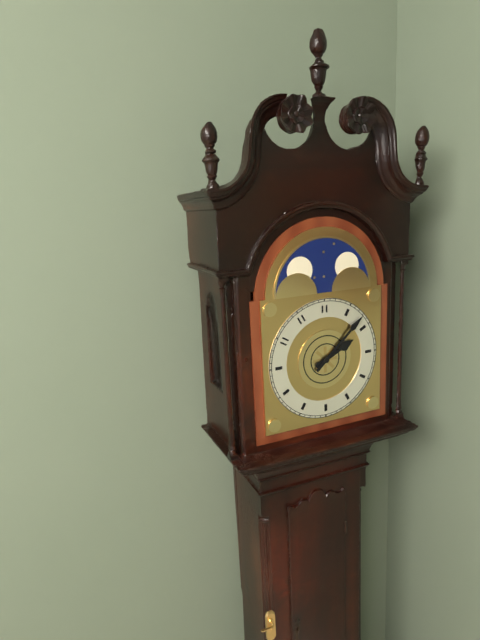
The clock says {"hour": 2, "minute": 8}
